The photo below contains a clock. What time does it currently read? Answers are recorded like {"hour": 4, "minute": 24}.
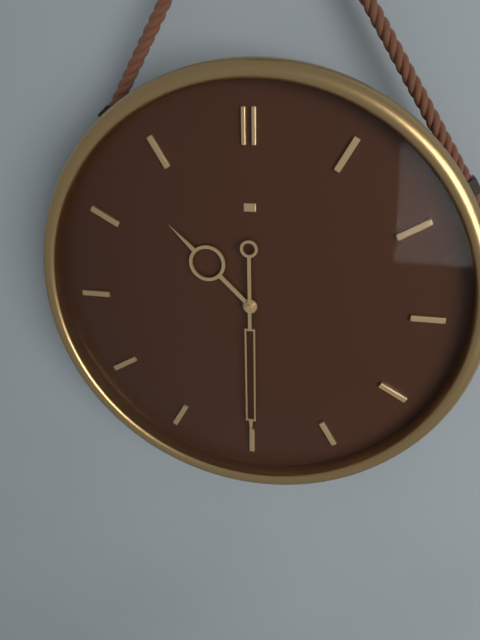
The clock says {"hour": 10, "minute": 30}
